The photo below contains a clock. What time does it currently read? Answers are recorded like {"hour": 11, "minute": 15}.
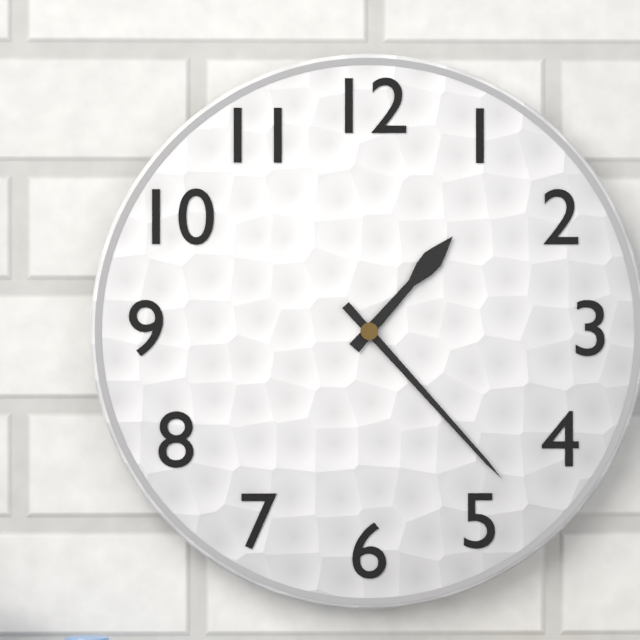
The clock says {"hour": 1, "minute": 23}
